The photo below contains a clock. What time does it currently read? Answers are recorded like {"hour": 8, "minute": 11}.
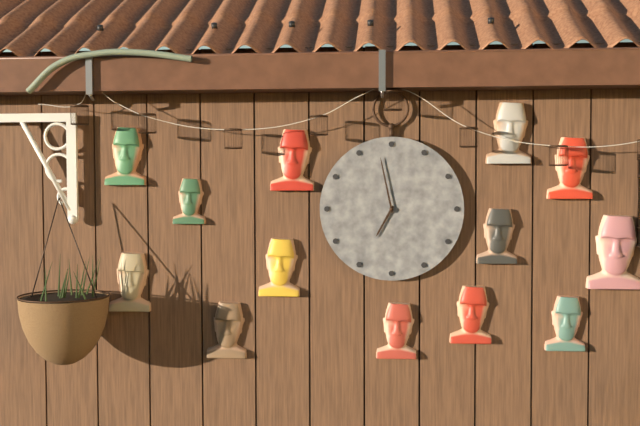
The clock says {"hour": 6, "minute": 58}
